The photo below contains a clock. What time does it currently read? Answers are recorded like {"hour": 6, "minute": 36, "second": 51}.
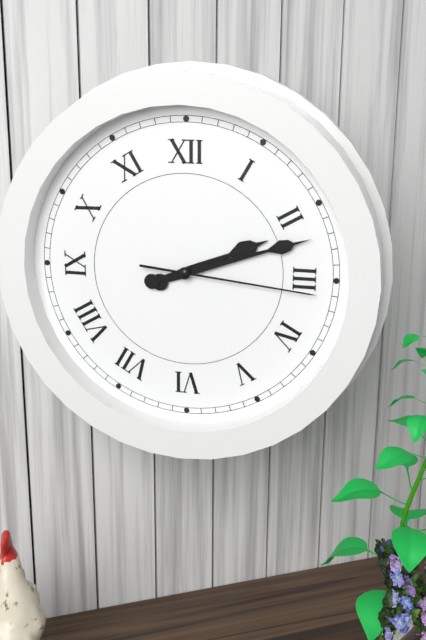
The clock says {"hour": 2, "minute": 12, "second": 16}
